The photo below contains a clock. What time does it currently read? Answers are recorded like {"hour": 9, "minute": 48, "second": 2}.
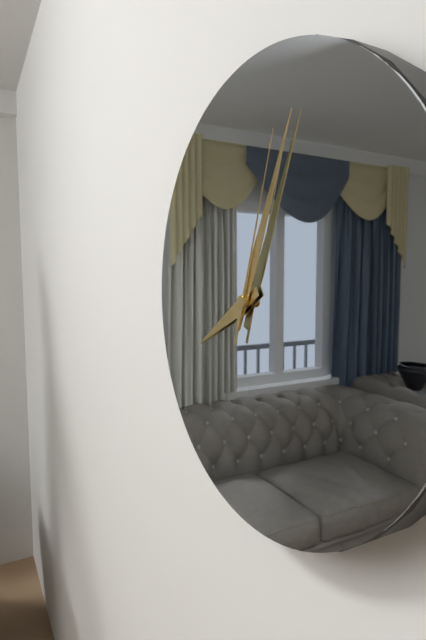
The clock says {"hour": 8, "minute": 4, "second": 3}
